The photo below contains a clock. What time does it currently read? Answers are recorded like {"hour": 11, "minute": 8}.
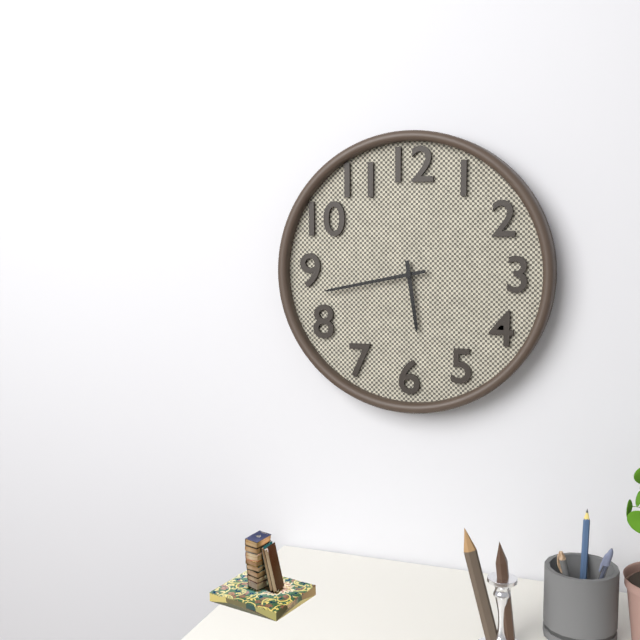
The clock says {"hour": 5, "minute": 43}
